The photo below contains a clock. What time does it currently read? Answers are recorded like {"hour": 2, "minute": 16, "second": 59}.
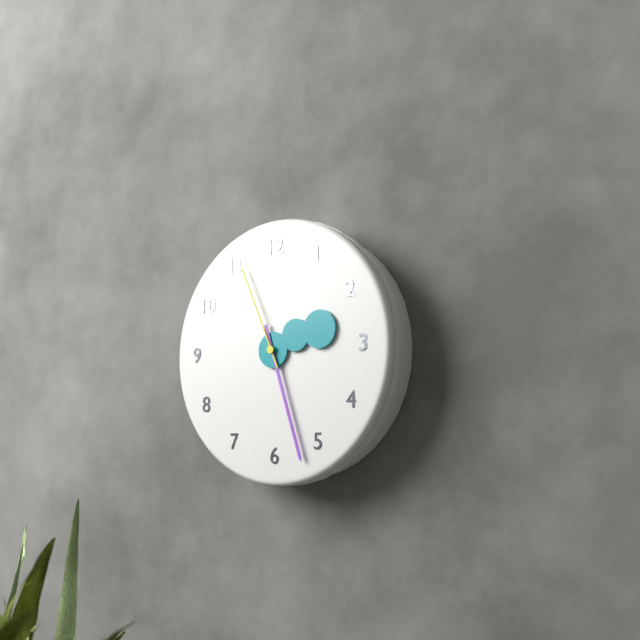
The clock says {"hour": 2, "minute": 27, "second": 56}
